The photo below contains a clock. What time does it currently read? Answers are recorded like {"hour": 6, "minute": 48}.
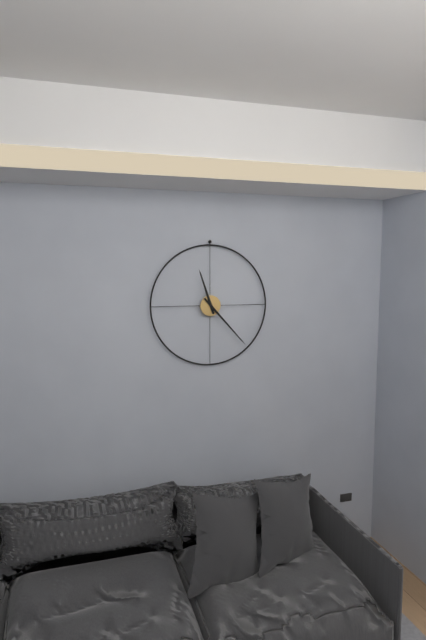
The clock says {"hour": 11, "minute": 23}
